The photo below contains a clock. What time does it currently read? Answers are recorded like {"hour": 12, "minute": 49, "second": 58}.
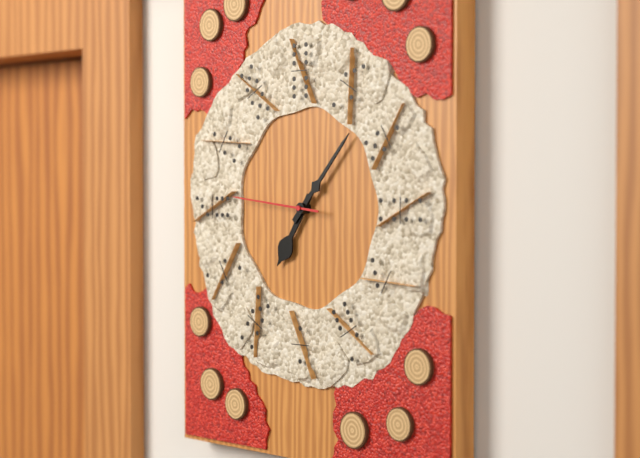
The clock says {"hour": 7, "minute": 7, "second": 46}
